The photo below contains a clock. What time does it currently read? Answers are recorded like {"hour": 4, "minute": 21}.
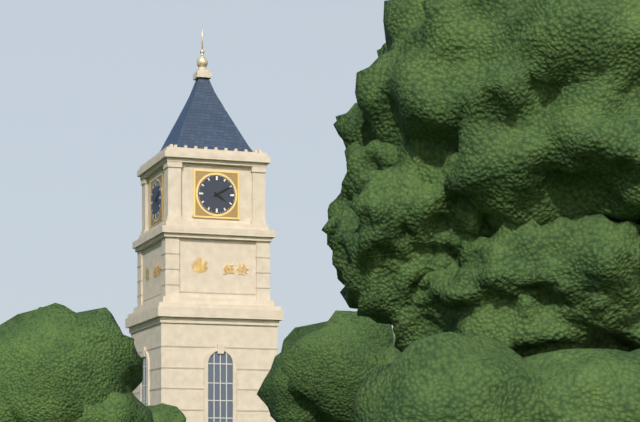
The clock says {"hour": 4, "minute": 10}
